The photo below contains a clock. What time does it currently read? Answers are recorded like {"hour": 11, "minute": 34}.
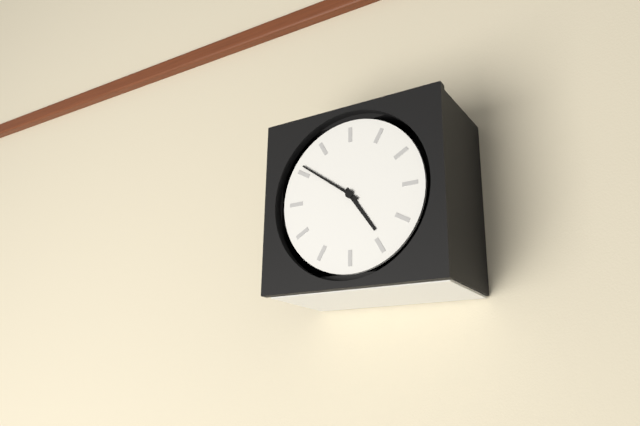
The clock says {"hour": 4, "minute": 51}
